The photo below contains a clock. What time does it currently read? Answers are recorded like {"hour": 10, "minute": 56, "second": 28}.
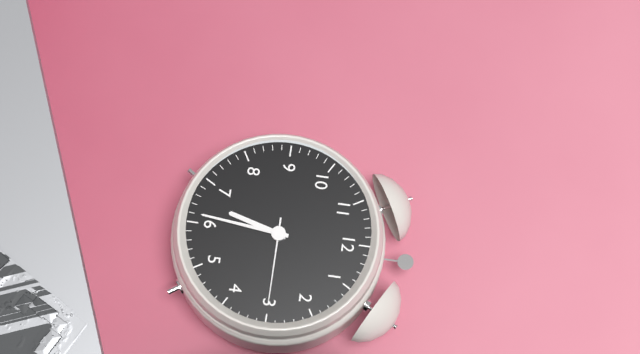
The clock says {"hour": 6, "minute": 31, "second": 15}
